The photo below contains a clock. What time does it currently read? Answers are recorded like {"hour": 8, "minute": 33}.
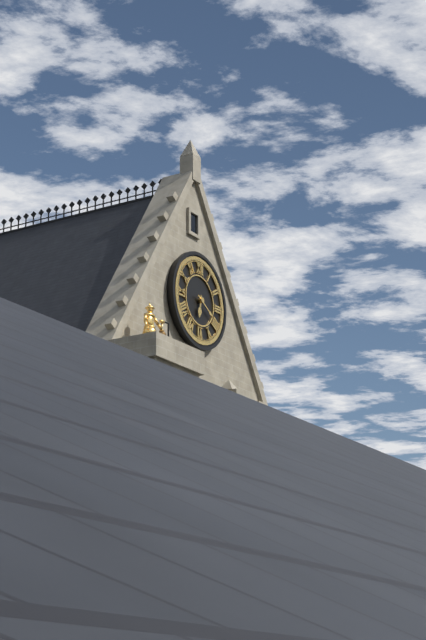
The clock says {"hour": 6, "minute": 20}
